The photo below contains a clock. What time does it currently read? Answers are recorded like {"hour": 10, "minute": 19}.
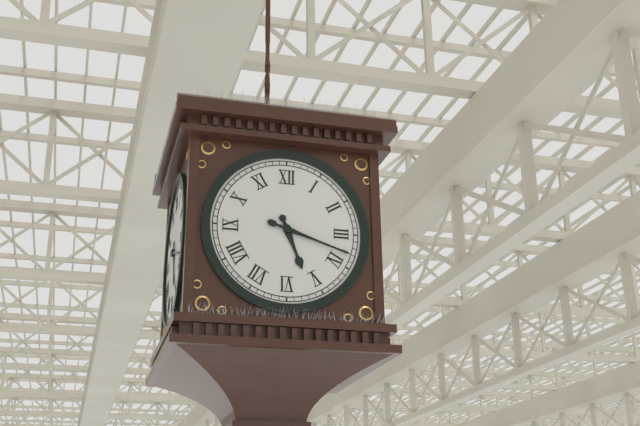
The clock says {"hour": 5, "minute": 18}
